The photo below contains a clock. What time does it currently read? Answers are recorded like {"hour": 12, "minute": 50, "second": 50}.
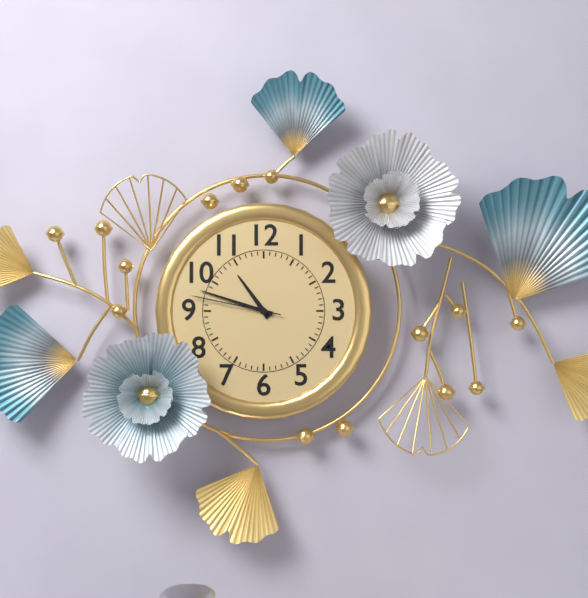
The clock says {"hour": 10, "minute": 48, "second": 47}
